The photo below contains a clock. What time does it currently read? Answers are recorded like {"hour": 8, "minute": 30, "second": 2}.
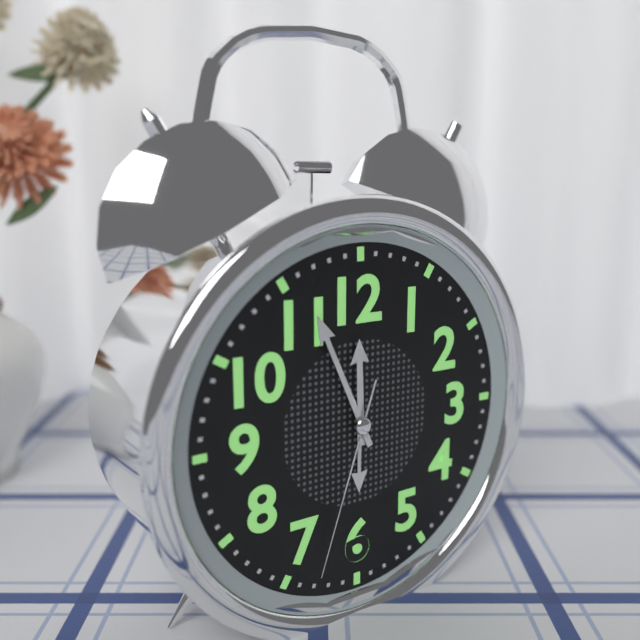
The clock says {"hour": 11, "minute": 56, "second": 33}
